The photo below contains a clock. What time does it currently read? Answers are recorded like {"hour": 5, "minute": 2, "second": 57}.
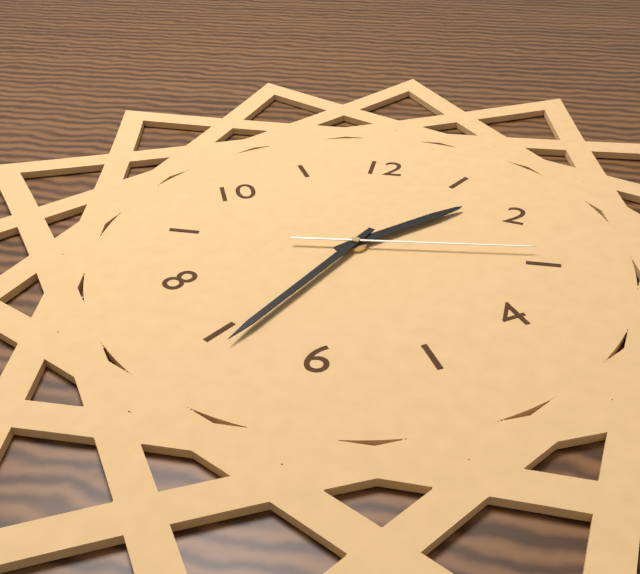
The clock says {"hour": 1, "minute": 34, "second": 14}
